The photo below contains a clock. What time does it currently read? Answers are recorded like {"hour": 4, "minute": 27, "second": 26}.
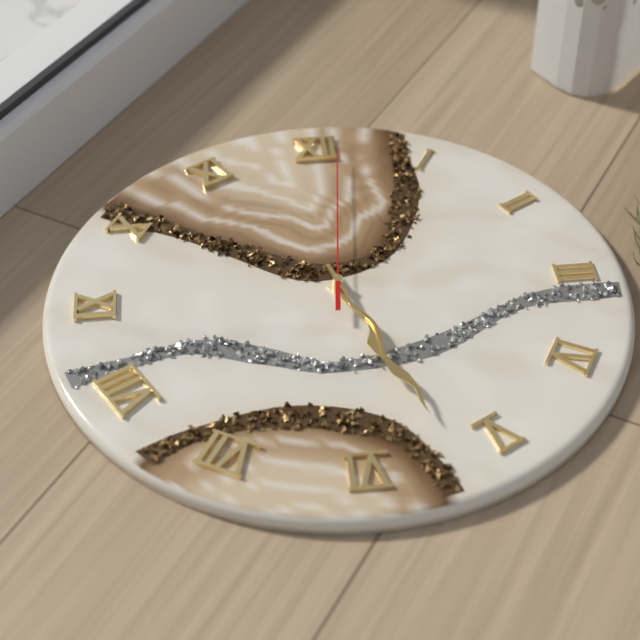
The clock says {"hour": 5, "minute": 27, "second": 1}
